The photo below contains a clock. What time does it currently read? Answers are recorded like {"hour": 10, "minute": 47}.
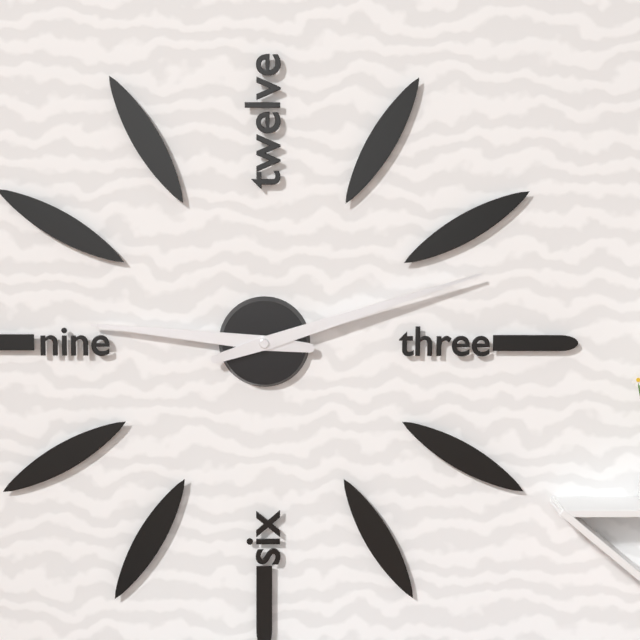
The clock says {"hour": 9, "minute": 12}
